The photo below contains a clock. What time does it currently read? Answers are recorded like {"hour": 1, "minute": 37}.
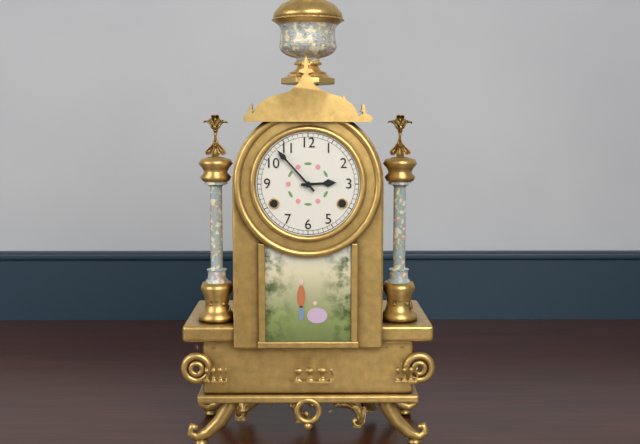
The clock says {"hour": 2, "minute": 53}
